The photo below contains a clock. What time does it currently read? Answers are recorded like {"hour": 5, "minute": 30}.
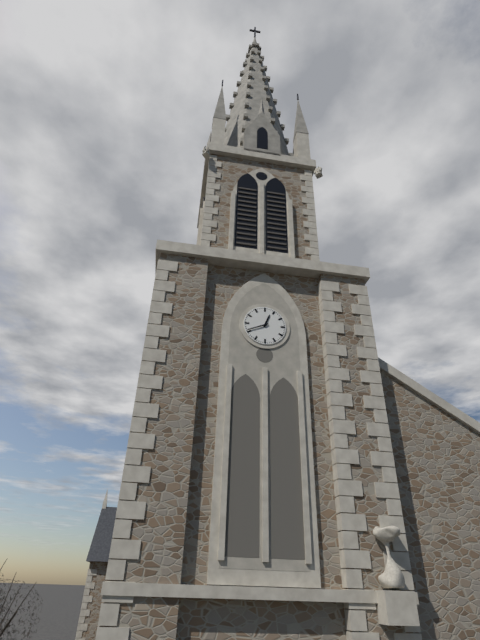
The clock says {"hour": 12, "minute": 41}
